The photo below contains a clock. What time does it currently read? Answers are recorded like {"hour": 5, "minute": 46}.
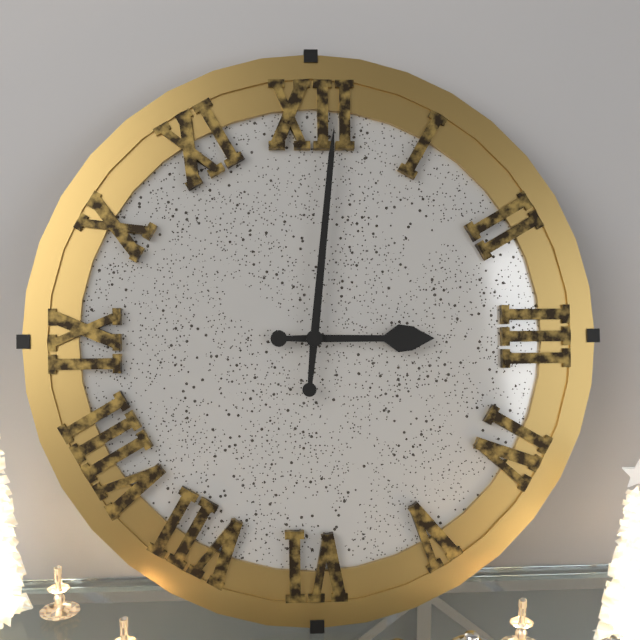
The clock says {"hour": 3, "minute": 1}
